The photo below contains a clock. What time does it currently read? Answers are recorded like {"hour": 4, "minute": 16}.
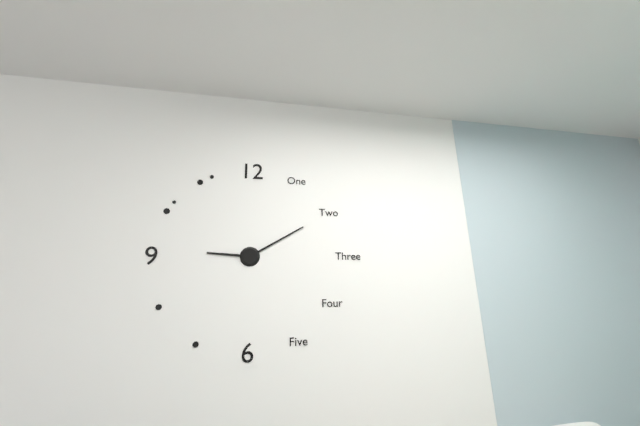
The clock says {"hour": 9, "minute": 10}
